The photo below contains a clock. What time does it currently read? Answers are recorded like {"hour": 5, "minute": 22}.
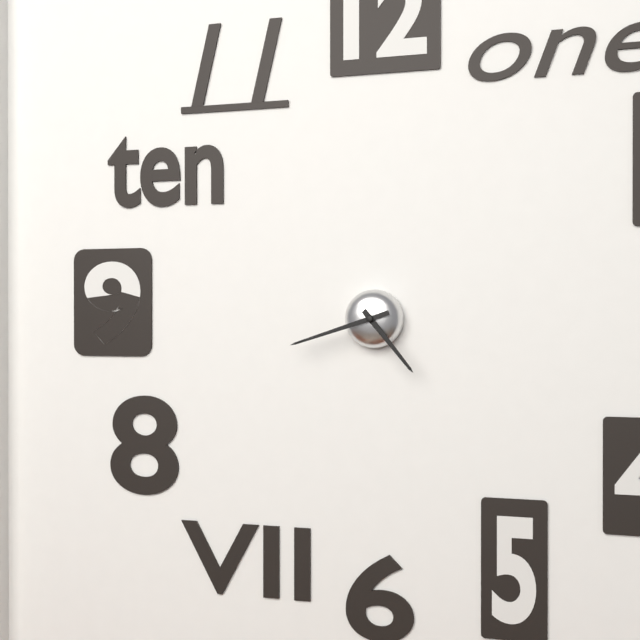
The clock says {"hour": 4, "minute": 42}
